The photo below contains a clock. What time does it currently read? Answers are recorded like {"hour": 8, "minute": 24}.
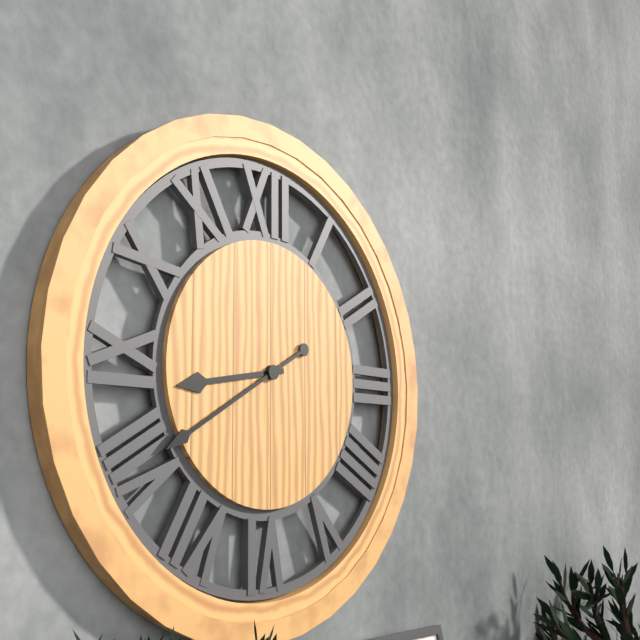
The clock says {"hour": 8, "minute": 40}
